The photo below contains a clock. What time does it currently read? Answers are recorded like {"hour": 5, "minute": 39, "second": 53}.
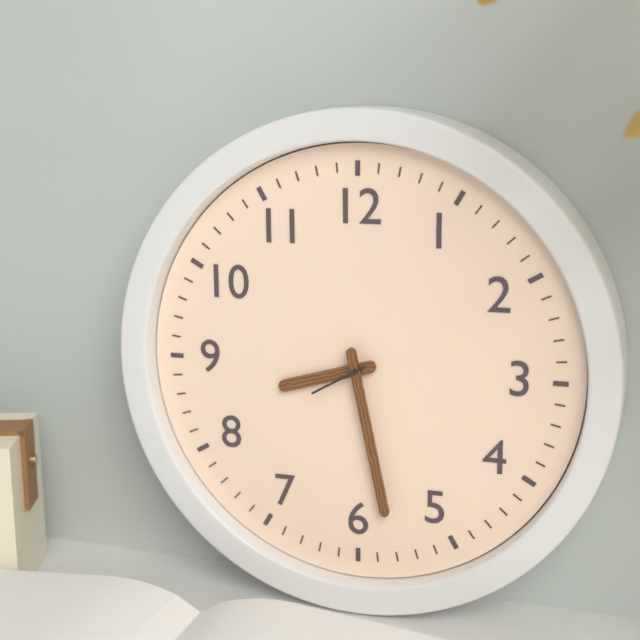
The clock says {"hour": 8, "minute": 28, "second": 40}
